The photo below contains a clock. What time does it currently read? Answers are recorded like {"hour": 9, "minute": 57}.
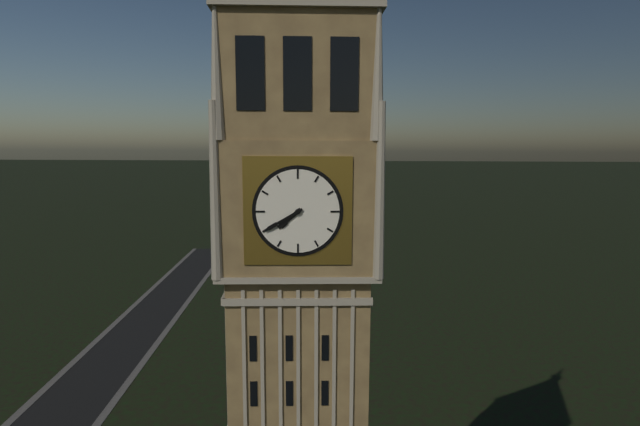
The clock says {"hour": 7, "minute": 40}
